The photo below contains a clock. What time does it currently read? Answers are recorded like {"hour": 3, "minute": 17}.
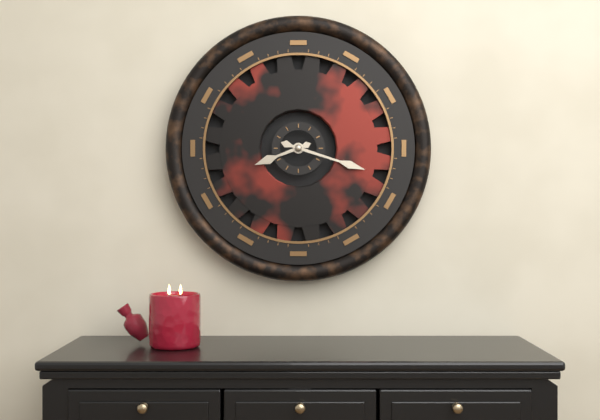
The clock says {"hour": 8, "minute": 18}
